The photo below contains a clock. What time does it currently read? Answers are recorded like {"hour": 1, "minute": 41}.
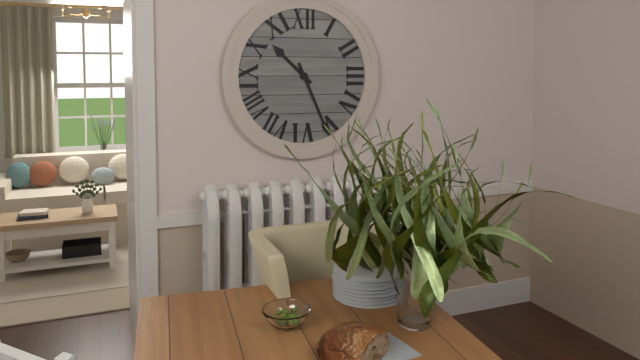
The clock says {"hour": 10, "minute": 26}
